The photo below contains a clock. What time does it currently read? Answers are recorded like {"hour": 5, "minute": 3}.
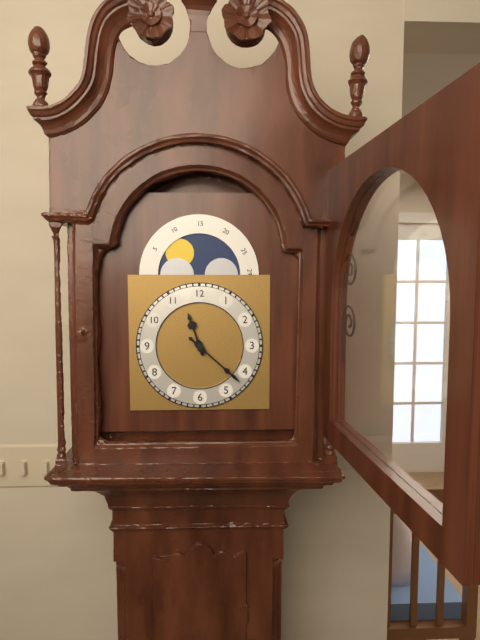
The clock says {"hour": 11, "minute": 22}
